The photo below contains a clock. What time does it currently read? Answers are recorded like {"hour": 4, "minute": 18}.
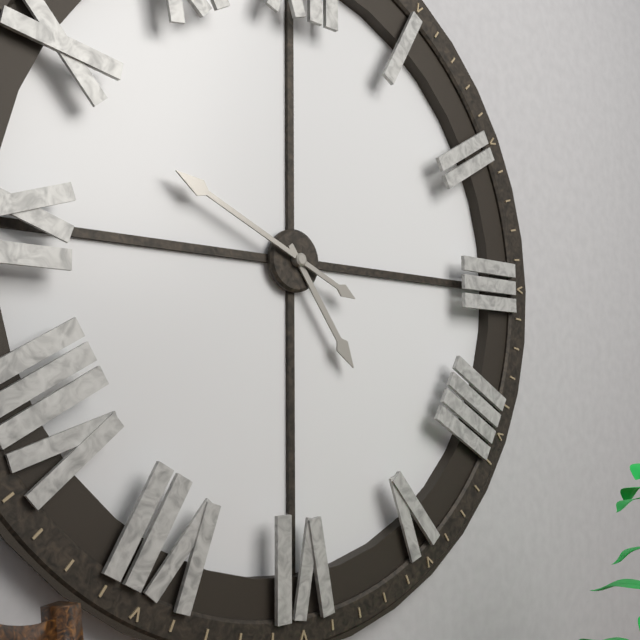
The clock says {"hour": 4, "minute": 49}
